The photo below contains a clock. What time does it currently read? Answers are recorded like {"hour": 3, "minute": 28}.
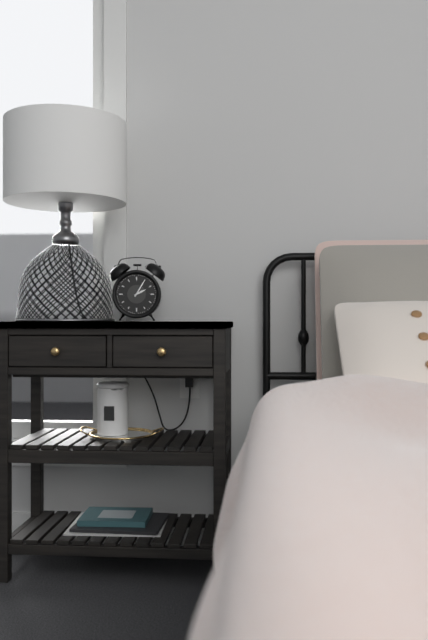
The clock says {"hour": 2, "minute": 5}
